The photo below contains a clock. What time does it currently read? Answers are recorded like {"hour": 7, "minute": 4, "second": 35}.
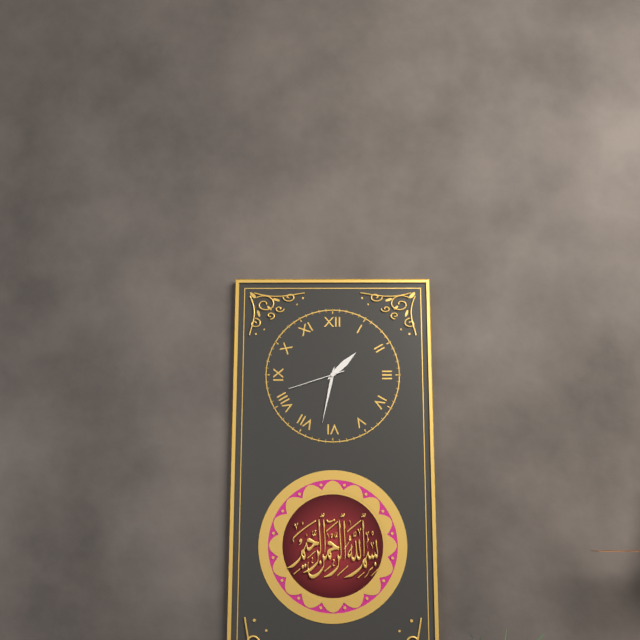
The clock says {"hour": 1, "minute": 32, "second": 42}
